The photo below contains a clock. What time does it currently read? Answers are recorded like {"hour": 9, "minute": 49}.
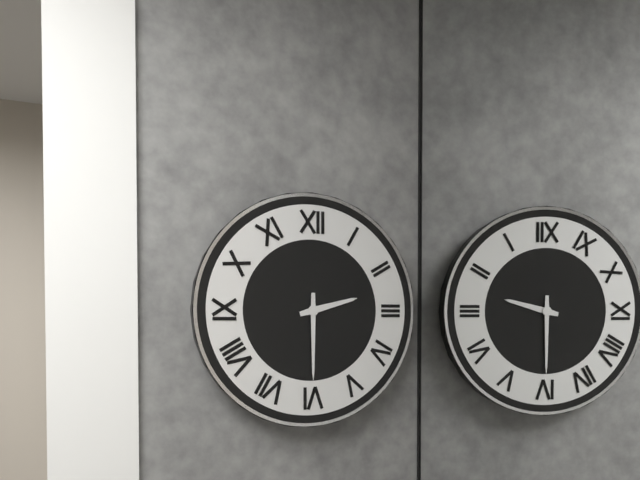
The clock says {"hour": 2, "minute": 30}
